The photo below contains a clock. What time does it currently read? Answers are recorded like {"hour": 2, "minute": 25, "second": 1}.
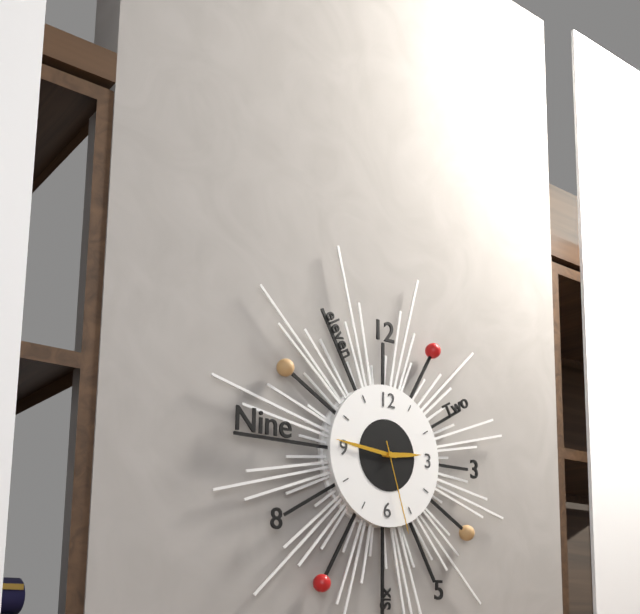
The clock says {"hour": 2, "minute": 46, "second": 27}
